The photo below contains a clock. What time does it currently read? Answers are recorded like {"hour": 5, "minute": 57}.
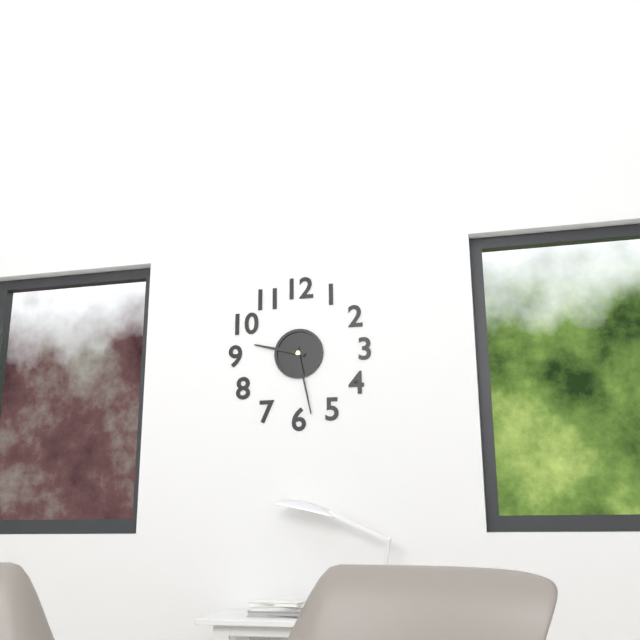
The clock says {"hour": 9, "minute": 28}
